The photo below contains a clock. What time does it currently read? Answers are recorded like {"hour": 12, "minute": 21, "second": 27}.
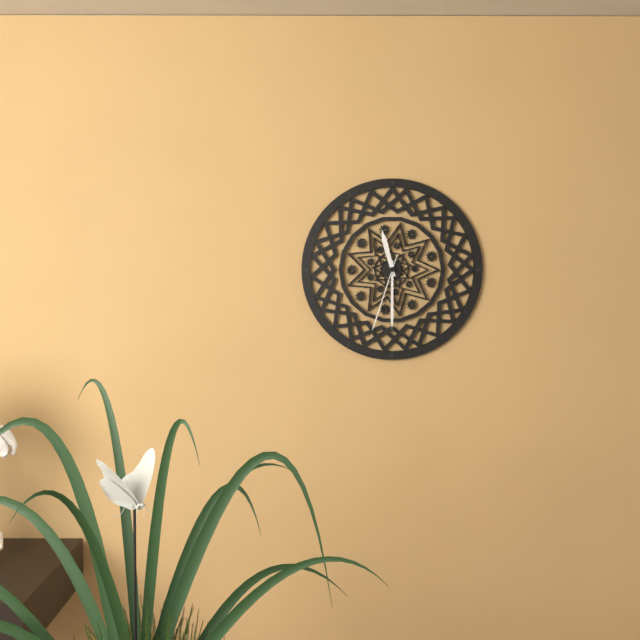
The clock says {"hour": 11, "minute": 30, "second": 33}
